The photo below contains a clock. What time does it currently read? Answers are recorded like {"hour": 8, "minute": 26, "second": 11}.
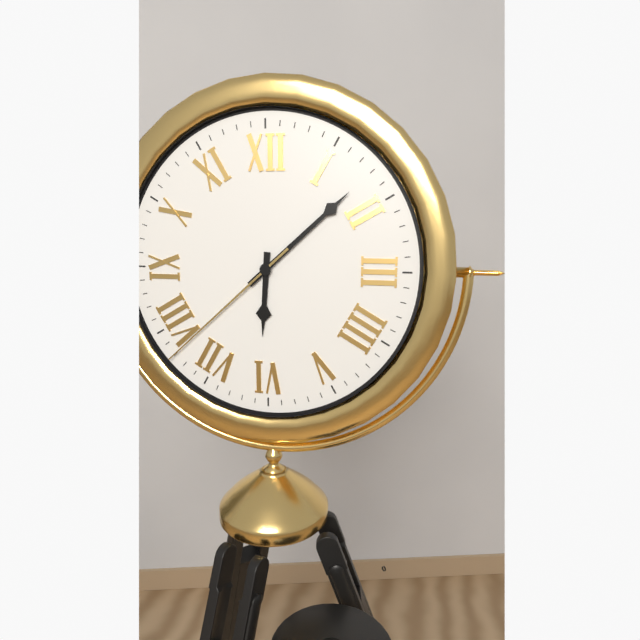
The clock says {"hour": 6, "minute": 8, "second": 38}
